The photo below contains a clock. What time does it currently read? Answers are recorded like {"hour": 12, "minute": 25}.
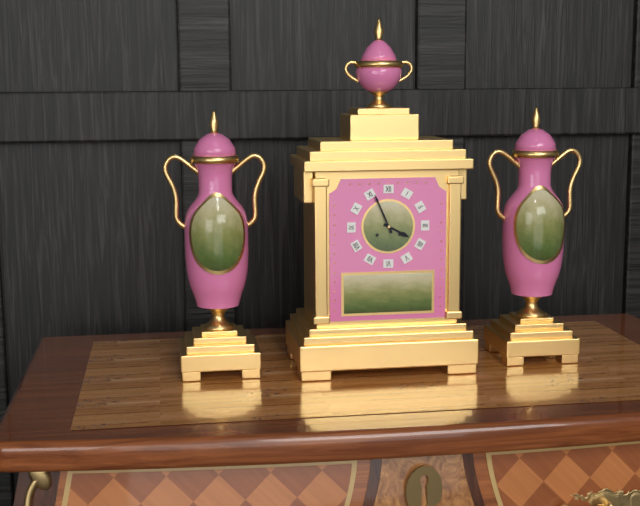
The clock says {"hour": 3, "minute": 56}
